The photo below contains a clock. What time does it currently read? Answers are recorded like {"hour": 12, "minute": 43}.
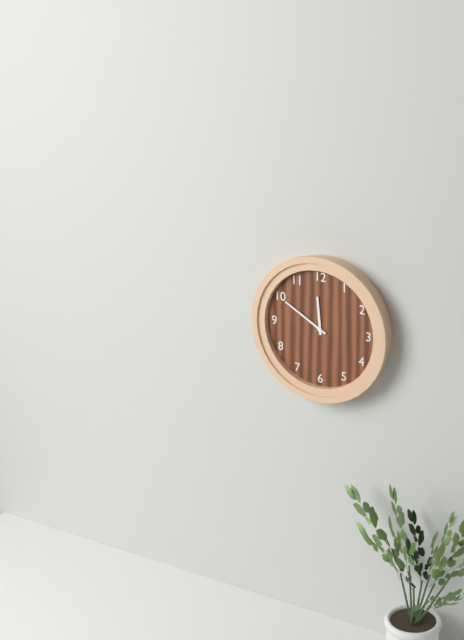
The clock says {"hour": 11, "minute": 50}
